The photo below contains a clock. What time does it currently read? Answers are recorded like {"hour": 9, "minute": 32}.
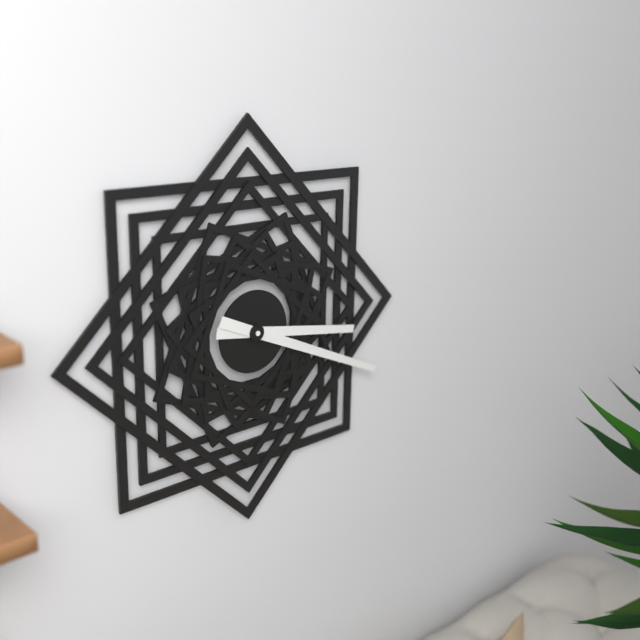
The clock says {"hour": 3, "minute": 19}
